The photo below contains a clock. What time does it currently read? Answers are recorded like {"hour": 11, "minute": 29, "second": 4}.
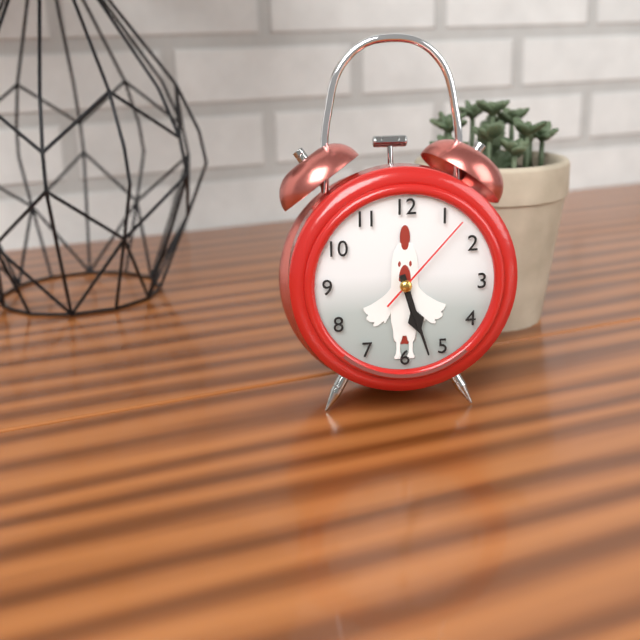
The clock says {"hour": 5, "minute": 27, "second": 7}
